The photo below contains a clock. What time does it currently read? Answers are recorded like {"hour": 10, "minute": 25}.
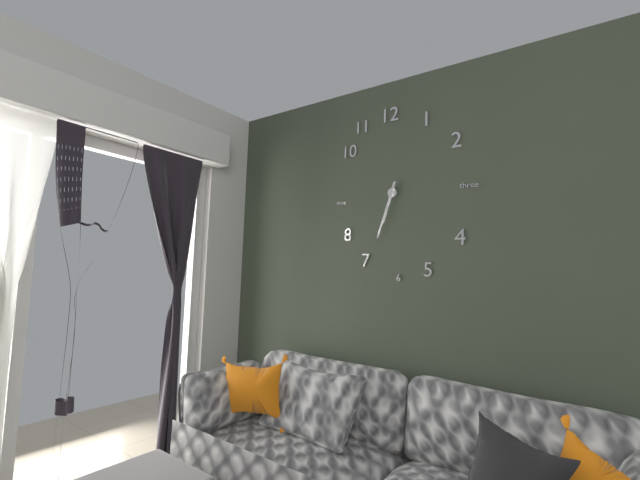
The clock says {"hour": 6, "minute": 33}
